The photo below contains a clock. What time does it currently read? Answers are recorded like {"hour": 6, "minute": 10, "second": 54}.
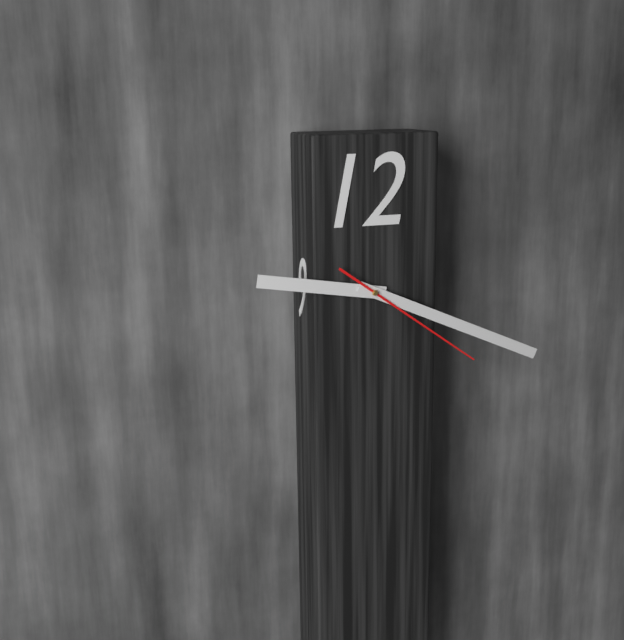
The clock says {"hour": 9, "minute": 19, "second": 21}
